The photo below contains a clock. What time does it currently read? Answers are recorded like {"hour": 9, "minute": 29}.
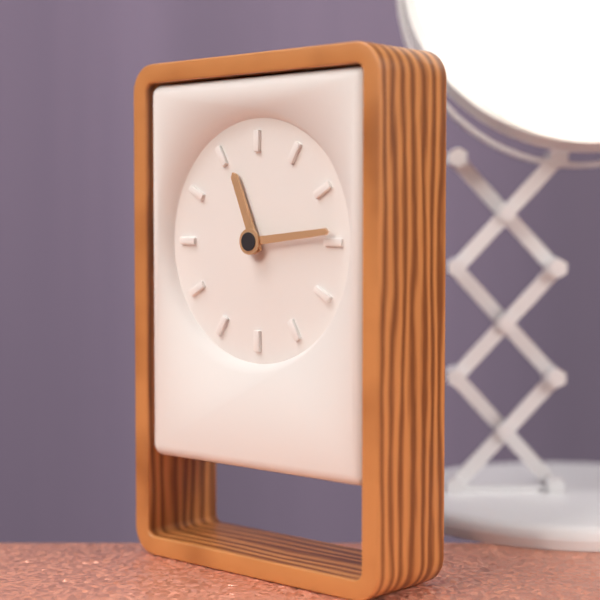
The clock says {"hour": 11, "minute": 14}
